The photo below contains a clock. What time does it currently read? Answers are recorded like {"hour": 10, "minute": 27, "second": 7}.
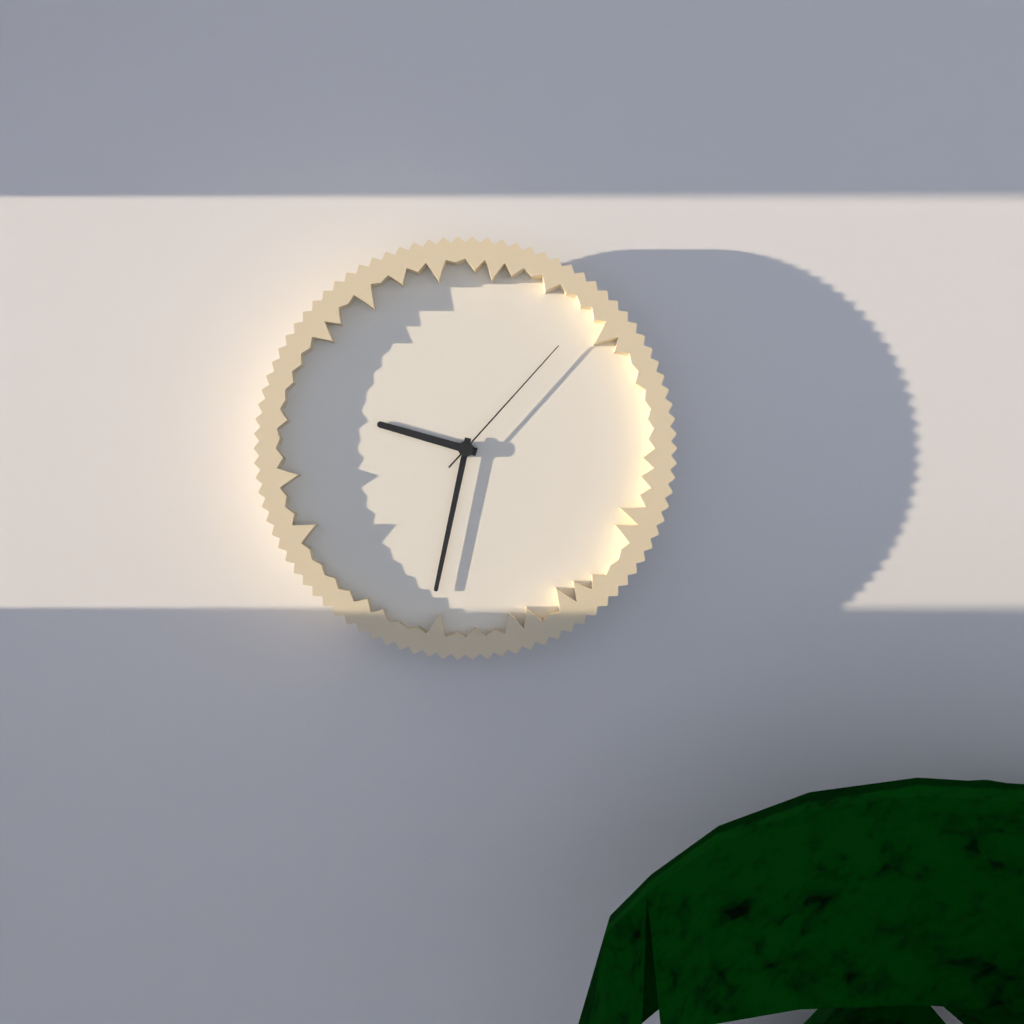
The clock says {"hour": 9, "minute": 32, "second": 7}
